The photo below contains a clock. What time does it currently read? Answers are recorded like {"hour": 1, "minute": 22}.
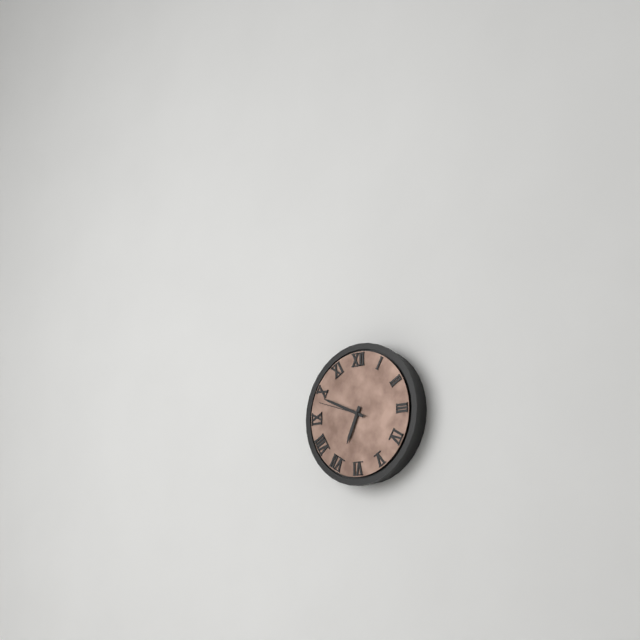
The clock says {"hour": 6, "minute": 49}
